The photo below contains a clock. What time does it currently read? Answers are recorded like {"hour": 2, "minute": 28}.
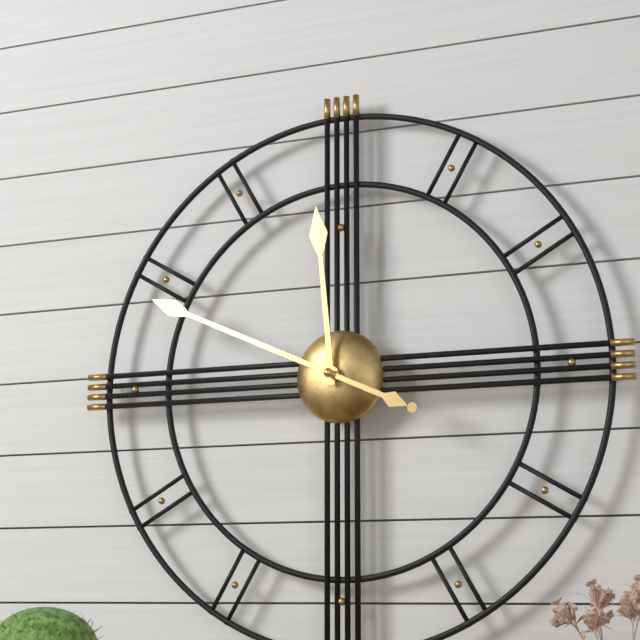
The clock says {"hour": 11, "minute": 49}
